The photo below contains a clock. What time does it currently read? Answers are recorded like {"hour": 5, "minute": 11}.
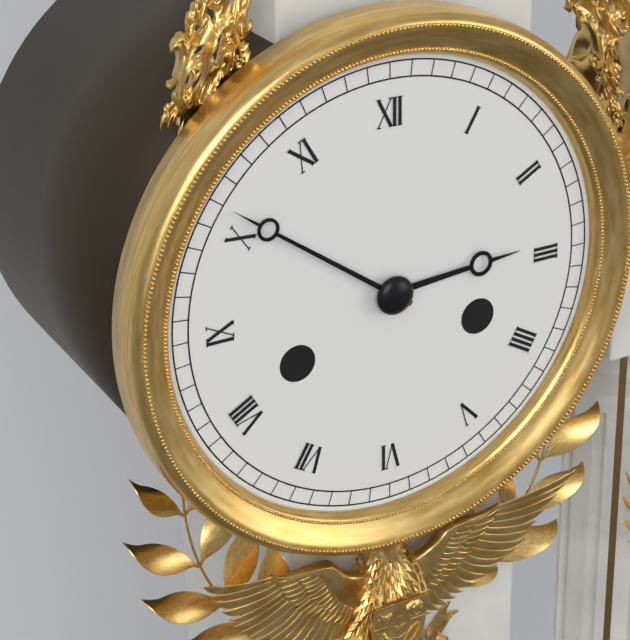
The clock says {"hour": 2, "minute": 51}
